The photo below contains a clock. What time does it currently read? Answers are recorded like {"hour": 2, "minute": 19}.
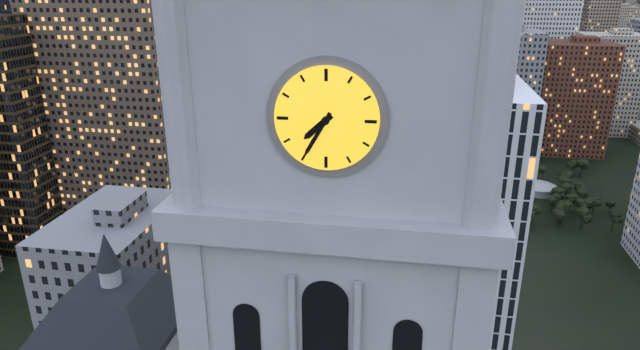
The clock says {"hour": 7, "minute": 35}
